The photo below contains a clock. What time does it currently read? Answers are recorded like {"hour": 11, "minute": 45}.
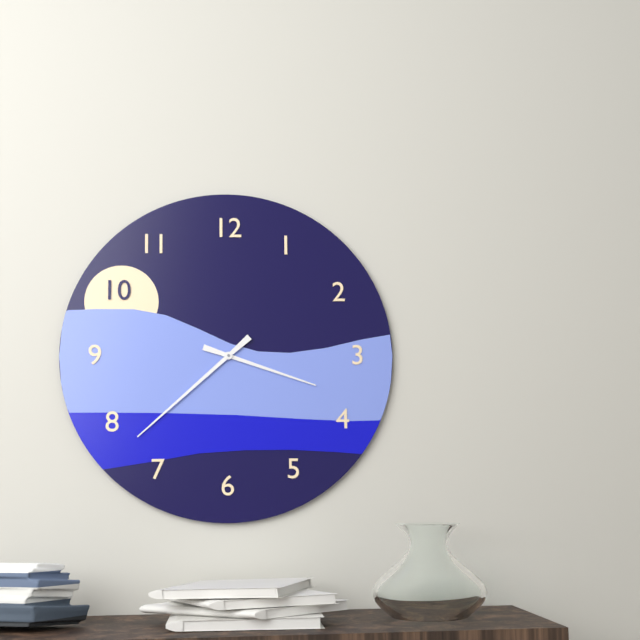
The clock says {"hour": 3, "minute": 38}
